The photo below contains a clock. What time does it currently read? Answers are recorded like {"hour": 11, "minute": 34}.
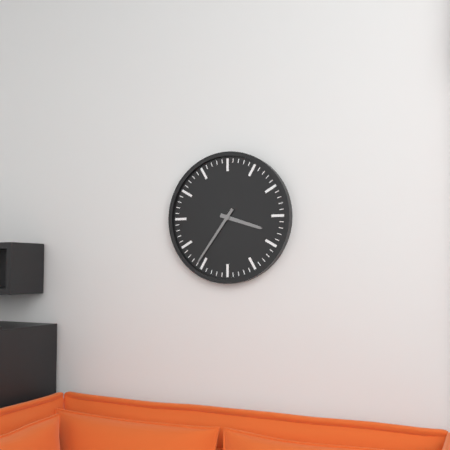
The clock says {"hour": 3, "minute": 36}
